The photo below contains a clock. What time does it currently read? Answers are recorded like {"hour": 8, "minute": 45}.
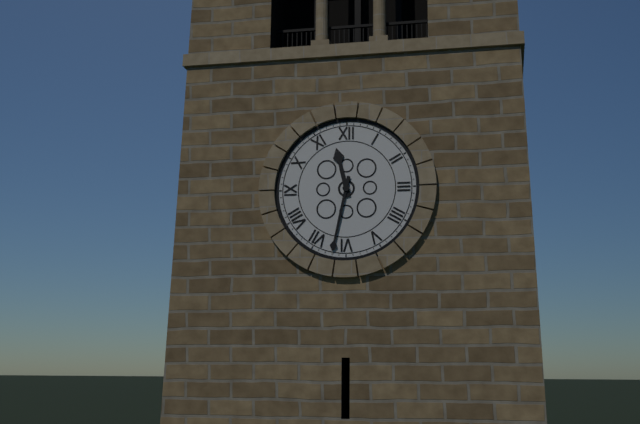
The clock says {"hour": 11, "minute": 32}
